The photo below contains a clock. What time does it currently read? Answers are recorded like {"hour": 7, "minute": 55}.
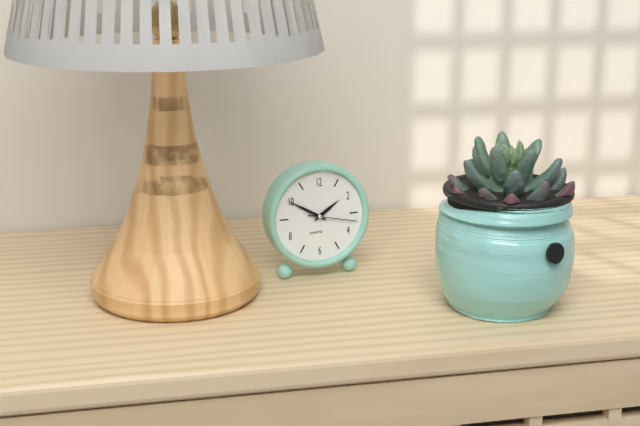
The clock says {"hour": 1, "minute": 50}
